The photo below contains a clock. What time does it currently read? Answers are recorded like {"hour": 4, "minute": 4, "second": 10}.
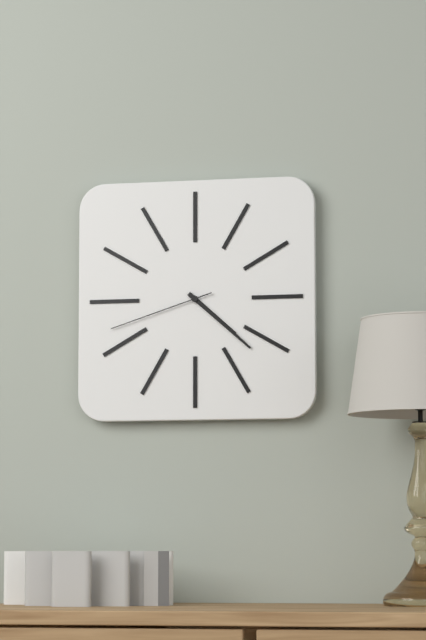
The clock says {"hour": 4, "minute": 22, "second": 42}
